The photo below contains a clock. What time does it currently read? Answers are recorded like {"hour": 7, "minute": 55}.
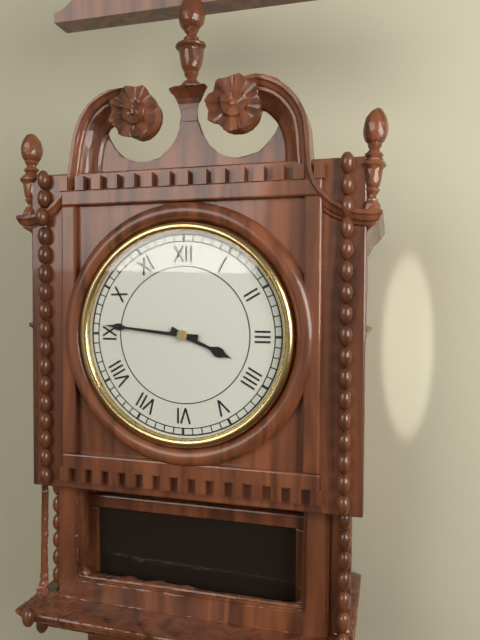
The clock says {"hour": 3, "minute": 46}
